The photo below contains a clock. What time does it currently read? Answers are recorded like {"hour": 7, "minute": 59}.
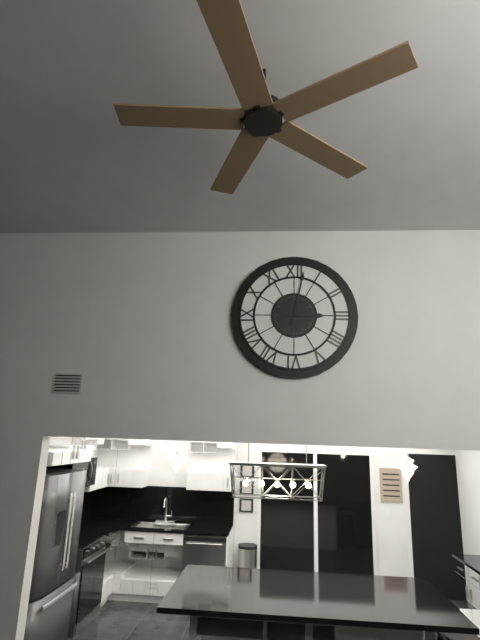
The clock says {"hour": 3, "minute": 2}
